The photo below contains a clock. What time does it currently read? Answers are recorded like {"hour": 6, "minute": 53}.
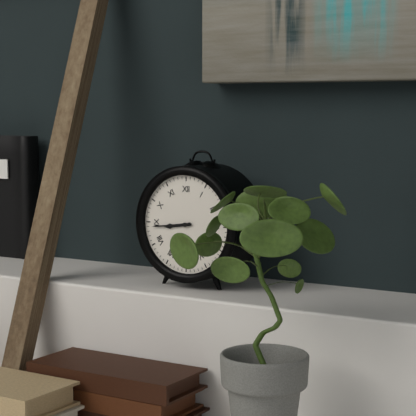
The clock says {"hour": 8, "minute": 44}
